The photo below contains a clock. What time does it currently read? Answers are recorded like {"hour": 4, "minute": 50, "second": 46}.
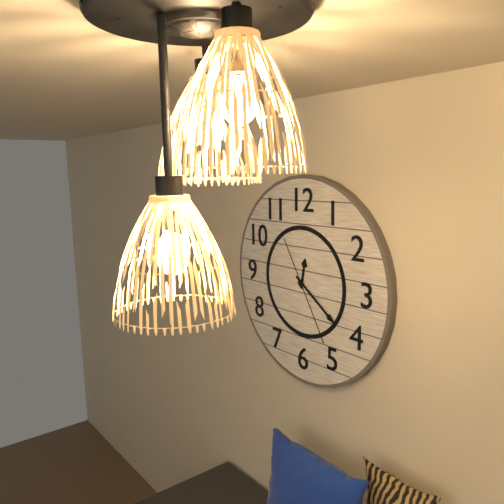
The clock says {"hour": 12, "minute": 21, "second": 25}
